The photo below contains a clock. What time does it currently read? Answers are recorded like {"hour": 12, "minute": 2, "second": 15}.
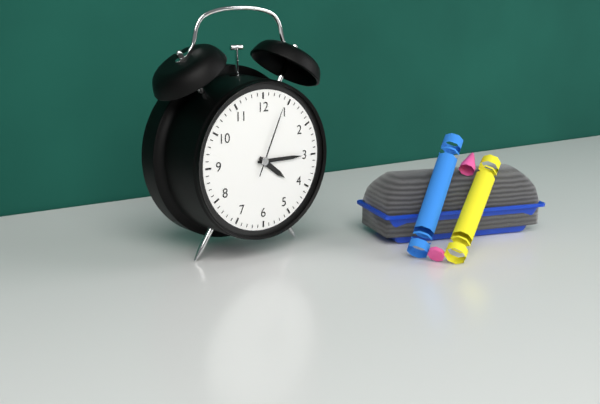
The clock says {"hour": 4, "minute": 15, "second": 4}
